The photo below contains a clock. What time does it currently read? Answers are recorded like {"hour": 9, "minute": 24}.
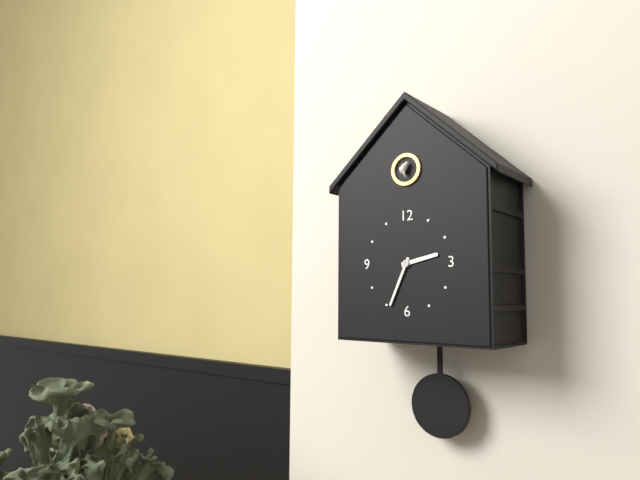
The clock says {"hour": 2, "minute": 34}
